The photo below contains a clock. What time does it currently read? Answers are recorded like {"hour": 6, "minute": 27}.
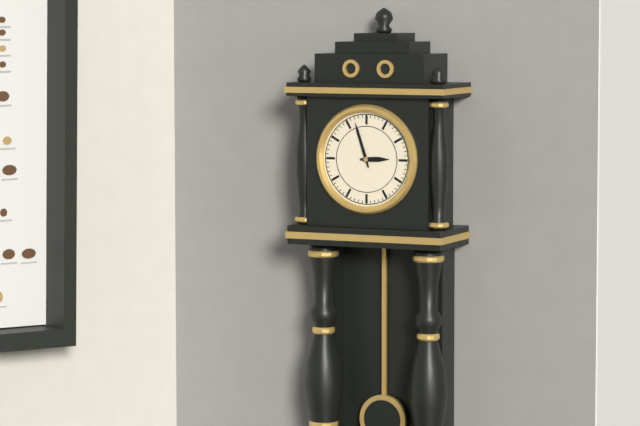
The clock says {"hour": 2, "minute": 57}
